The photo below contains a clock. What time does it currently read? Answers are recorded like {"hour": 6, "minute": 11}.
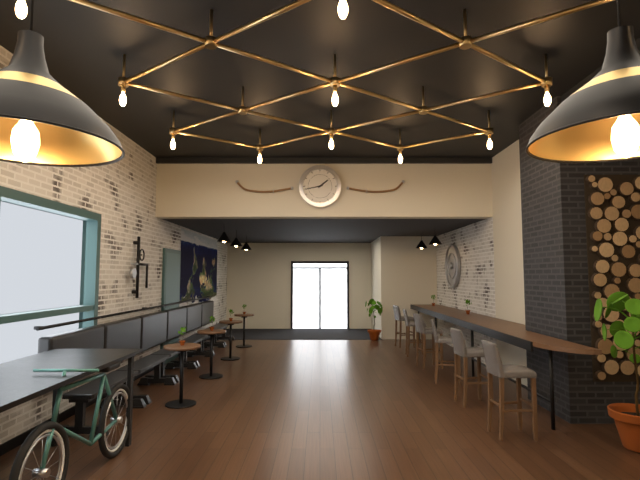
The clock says {"hour": 1, "minute": 43}
